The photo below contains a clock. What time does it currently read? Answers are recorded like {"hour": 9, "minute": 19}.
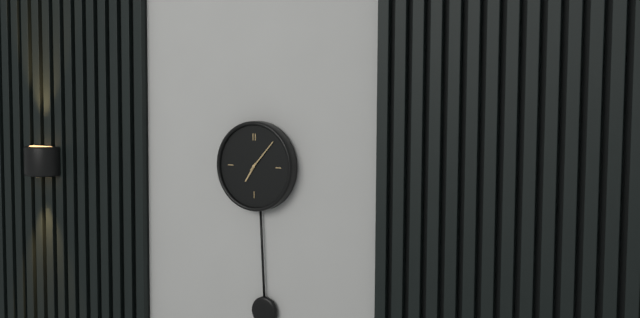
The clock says {"hour": 7, "minute": 7}
